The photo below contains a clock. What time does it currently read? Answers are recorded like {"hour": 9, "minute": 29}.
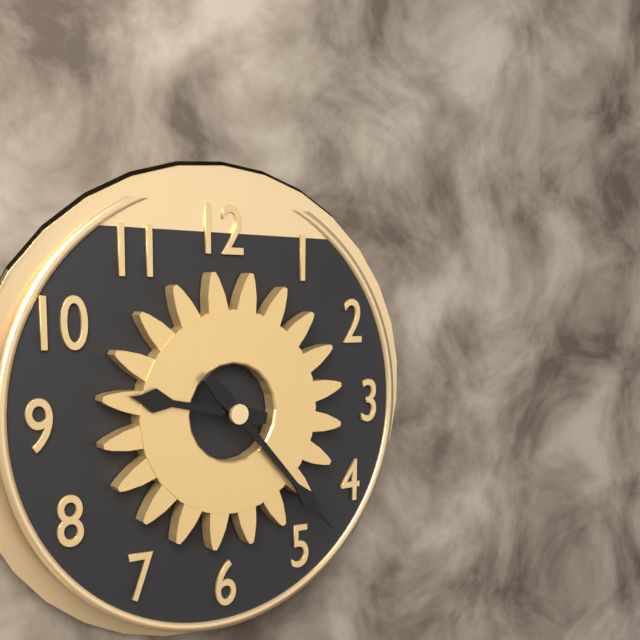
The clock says {"hour": 9, "minute": 23}
